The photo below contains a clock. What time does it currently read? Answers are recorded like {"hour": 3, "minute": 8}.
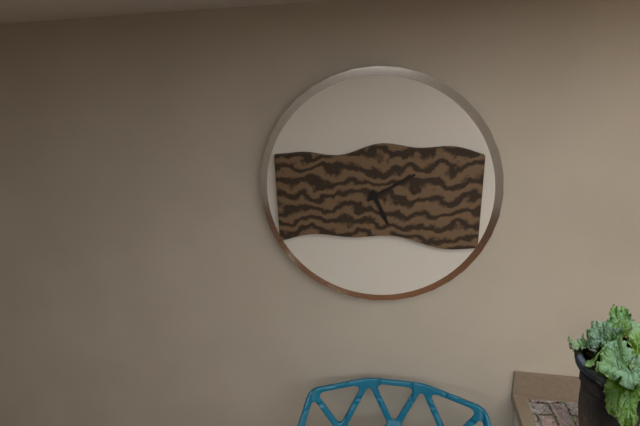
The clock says {"hour": 5, "minute": 10}
